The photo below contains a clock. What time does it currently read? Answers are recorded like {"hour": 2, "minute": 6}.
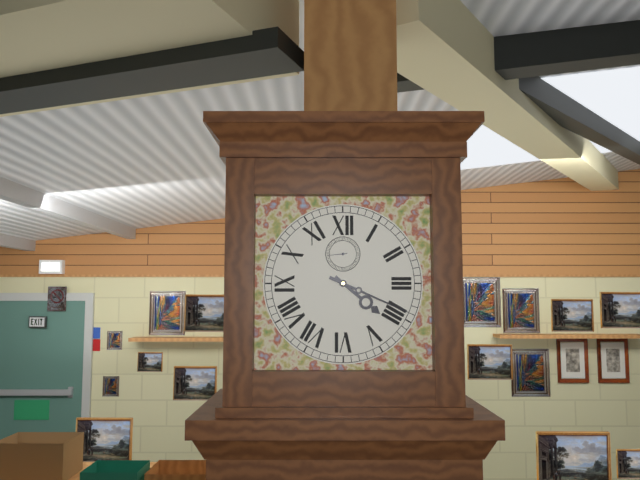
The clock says {"hour": 4, "minute": 19}
